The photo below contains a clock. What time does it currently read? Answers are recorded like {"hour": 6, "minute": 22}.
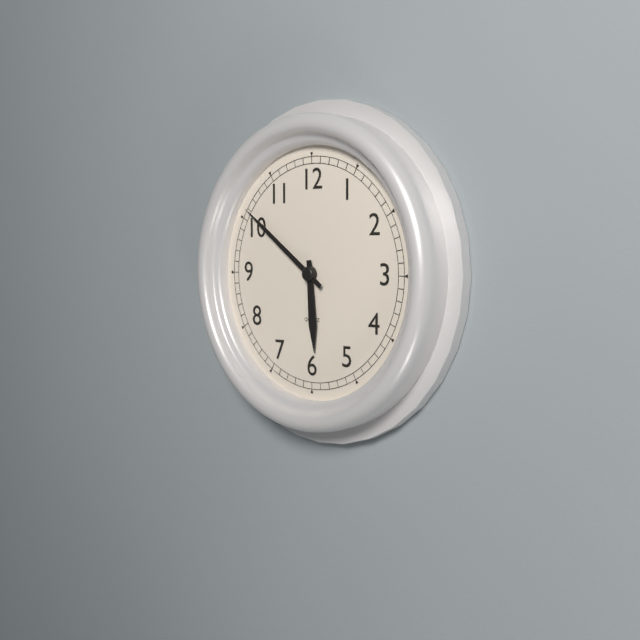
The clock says {"hour": 5, "minute": 51}
